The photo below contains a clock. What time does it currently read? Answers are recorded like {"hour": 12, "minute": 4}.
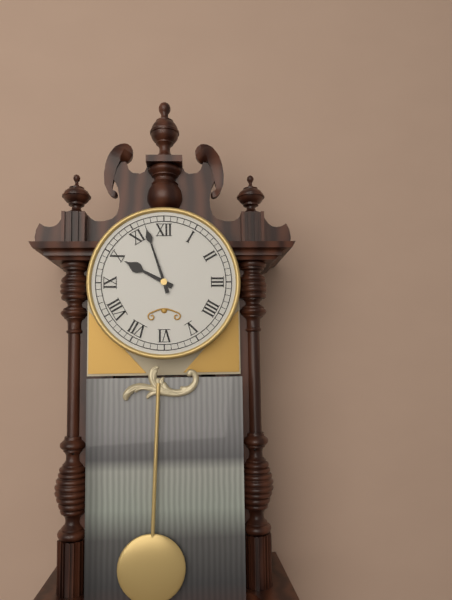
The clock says {"hour": 9, "minute": 57}
